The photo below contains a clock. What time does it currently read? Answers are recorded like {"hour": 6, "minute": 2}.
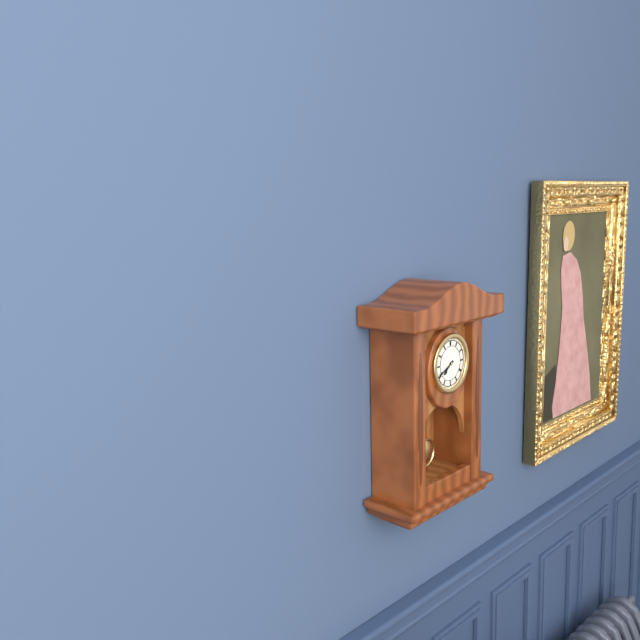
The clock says {"hour": 7, "minute": 41}
